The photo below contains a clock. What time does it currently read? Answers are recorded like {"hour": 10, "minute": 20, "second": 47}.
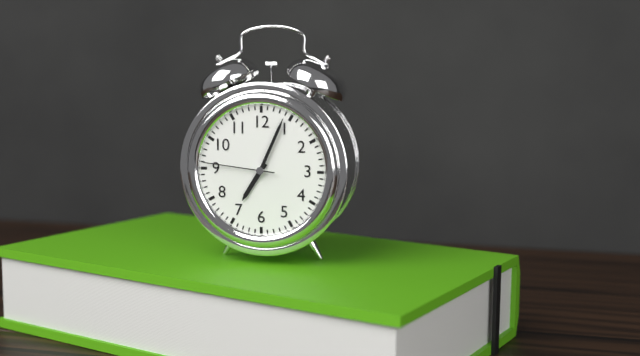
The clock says {"hour": 7, "minute": 4, "second": 46}
